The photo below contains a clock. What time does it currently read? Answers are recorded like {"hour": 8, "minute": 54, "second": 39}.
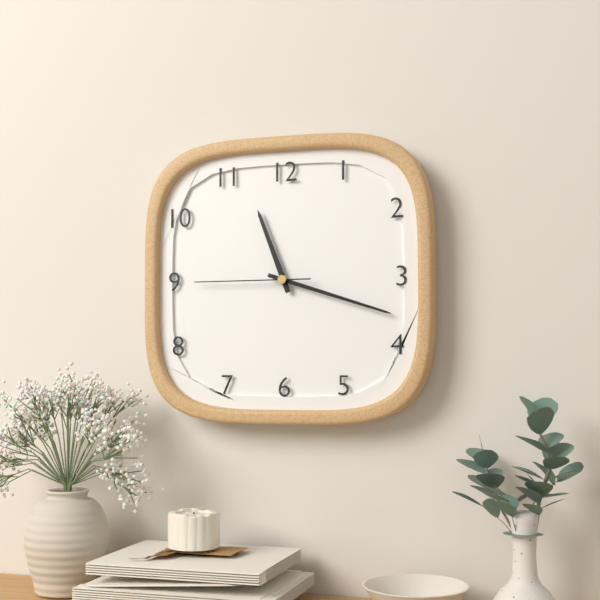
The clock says {"hour": 11, "minute": 18, "second": 45}
